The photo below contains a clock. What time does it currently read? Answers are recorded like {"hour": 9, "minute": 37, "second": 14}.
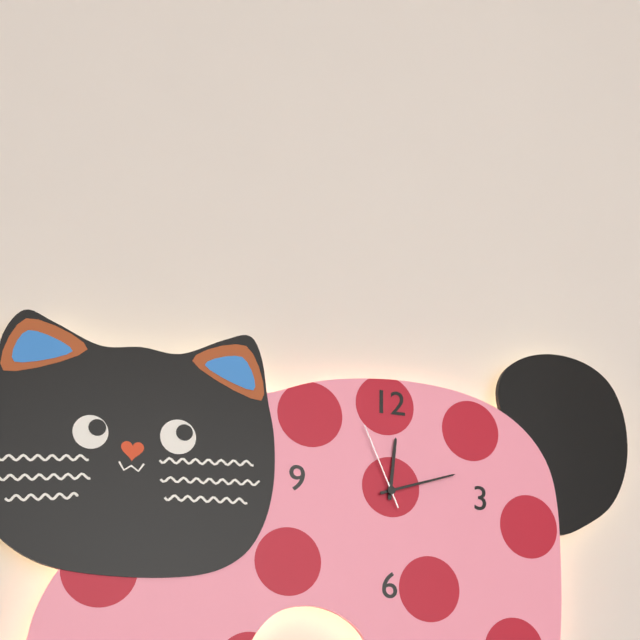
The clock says {"hour": 12, "minute": 12, "second": 56}
